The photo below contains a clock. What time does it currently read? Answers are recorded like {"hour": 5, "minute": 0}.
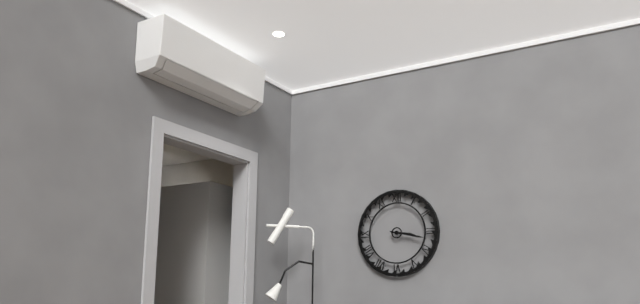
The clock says {"hour": 3, "minute": 17}
